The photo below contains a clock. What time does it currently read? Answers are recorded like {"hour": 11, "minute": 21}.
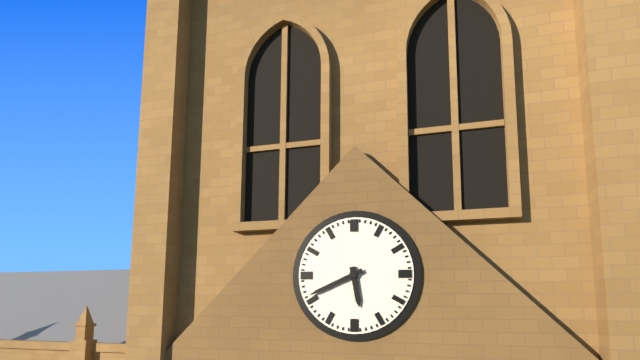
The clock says {"hour": 5, "minute": 41}
